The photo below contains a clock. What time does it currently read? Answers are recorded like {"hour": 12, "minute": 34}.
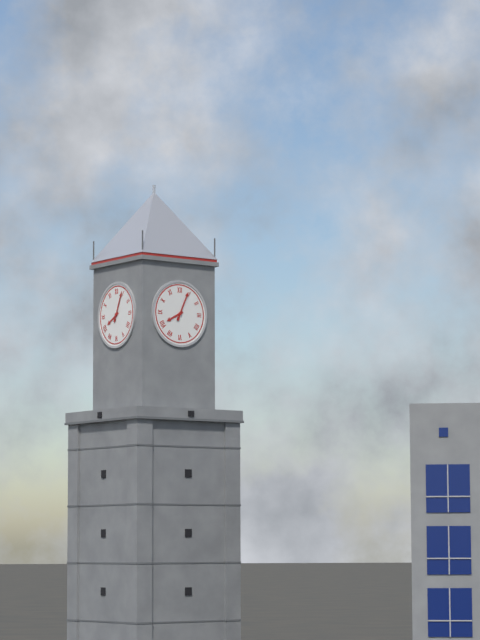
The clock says {"hour": 8, "minute": 4}
